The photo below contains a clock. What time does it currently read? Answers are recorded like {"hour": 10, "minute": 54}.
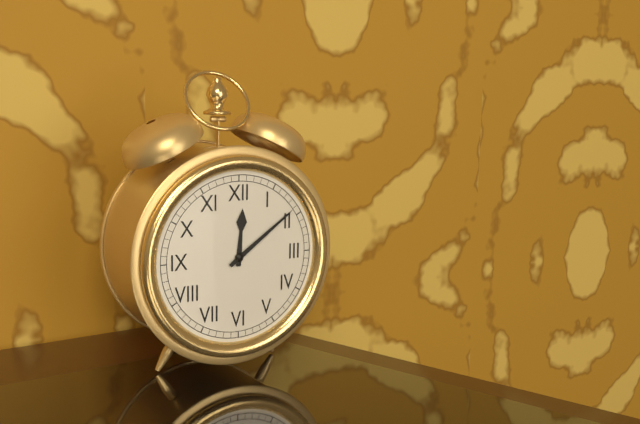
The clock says {"hour": 12, "minute": 9}
